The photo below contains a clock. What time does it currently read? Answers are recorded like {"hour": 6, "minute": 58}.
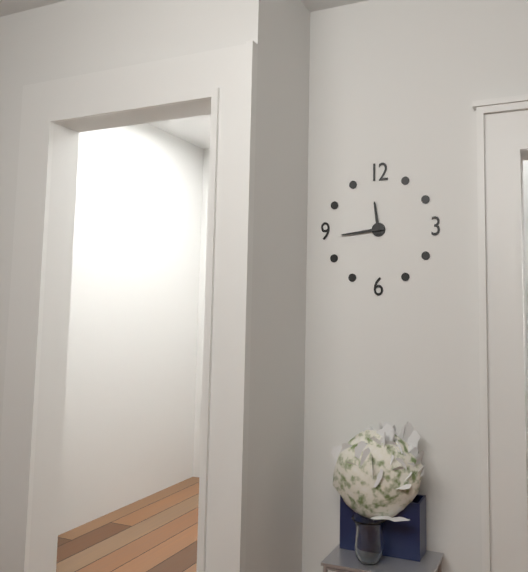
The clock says {"hour": 11, "minute": 44}
